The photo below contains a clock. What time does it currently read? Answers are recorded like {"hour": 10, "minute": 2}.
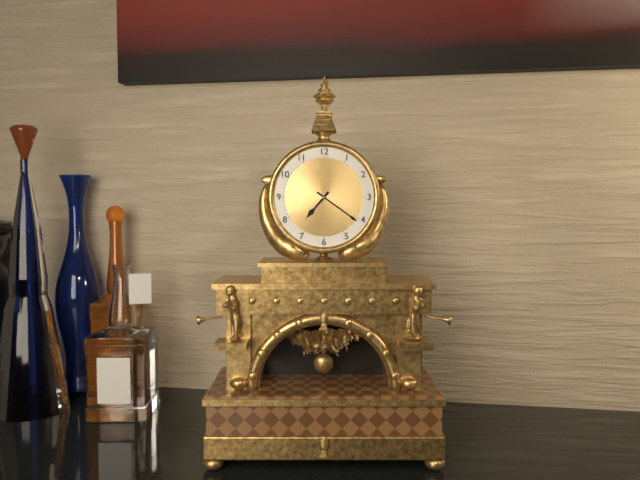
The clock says {"hour": 7, "minute": 21}
